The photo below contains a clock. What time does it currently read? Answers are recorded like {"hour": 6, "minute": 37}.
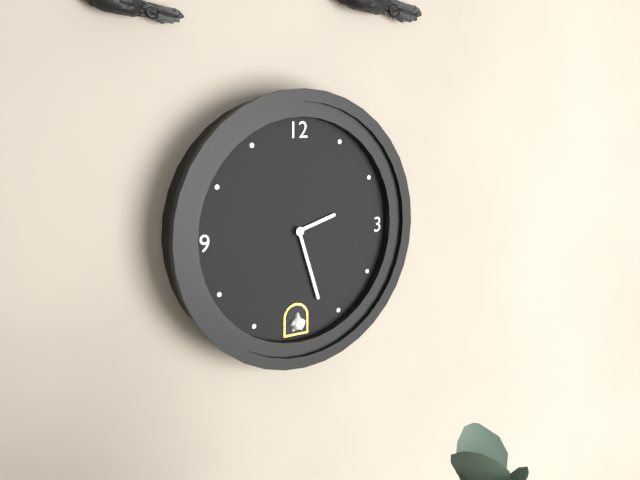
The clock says {"hour": 2, "minute": 27}
